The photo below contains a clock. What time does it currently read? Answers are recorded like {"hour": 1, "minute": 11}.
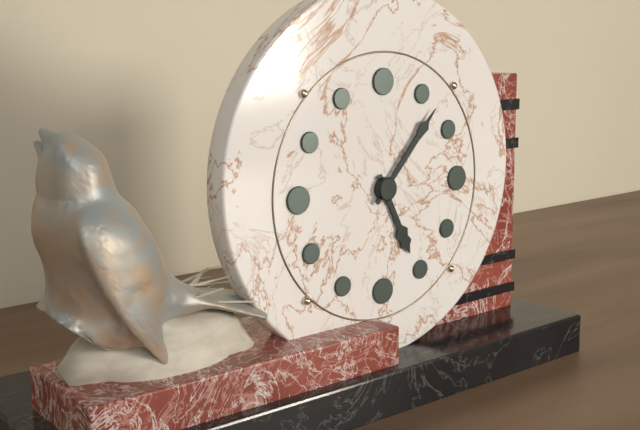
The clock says {"hour": 5, "minute": 7}
